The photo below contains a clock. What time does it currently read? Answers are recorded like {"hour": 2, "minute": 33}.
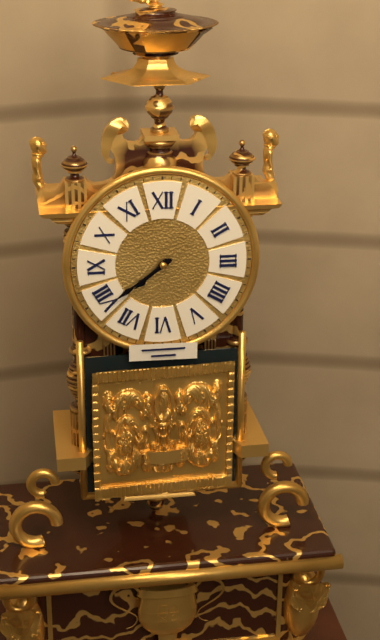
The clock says {"hour": 7, "minute": 39}
